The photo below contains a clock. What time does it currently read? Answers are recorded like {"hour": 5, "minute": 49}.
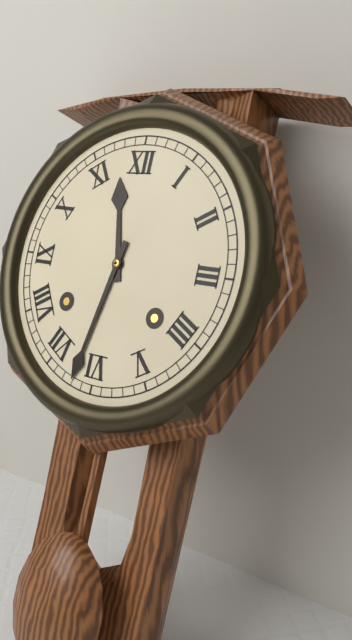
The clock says {"hour": 11, "minute": 32}
